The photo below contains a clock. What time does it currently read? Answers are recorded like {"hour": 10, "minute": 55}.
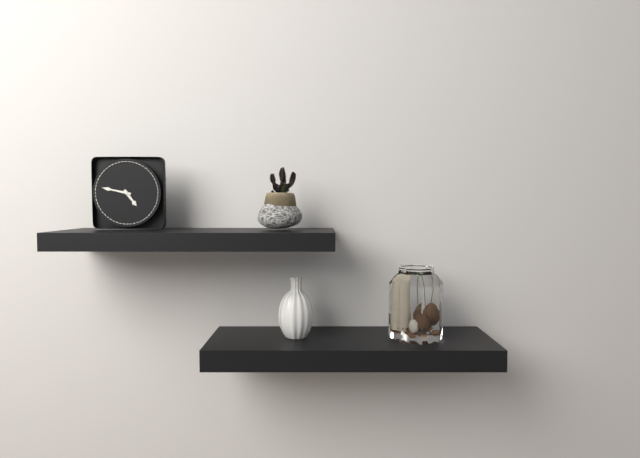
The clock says {"hour": 4, "minute": 47}
